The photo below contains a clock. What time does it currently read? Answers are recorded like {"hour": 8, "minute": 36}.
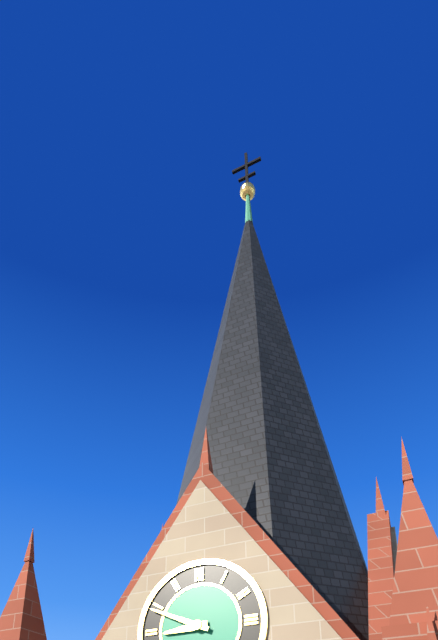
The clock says {"hour": 8, "minute": 49}
